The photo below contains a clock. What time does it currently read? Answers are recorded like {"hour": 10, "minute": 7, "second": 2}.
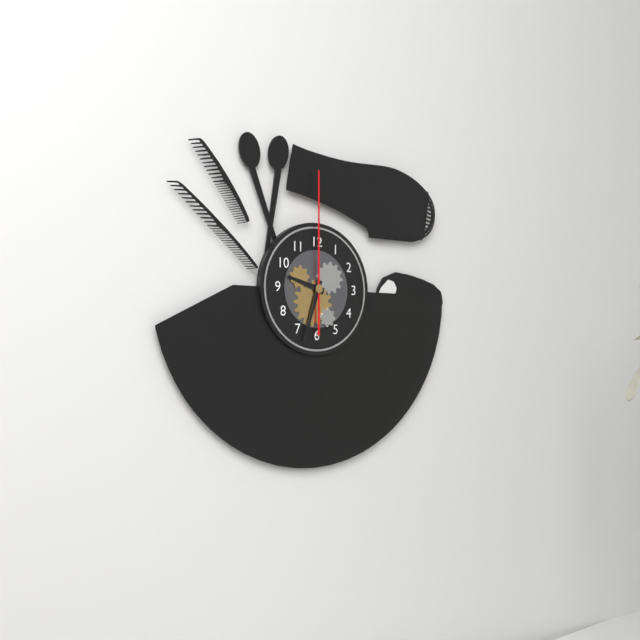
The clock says {"hour": 9, "minute": 33, "second": 0}
